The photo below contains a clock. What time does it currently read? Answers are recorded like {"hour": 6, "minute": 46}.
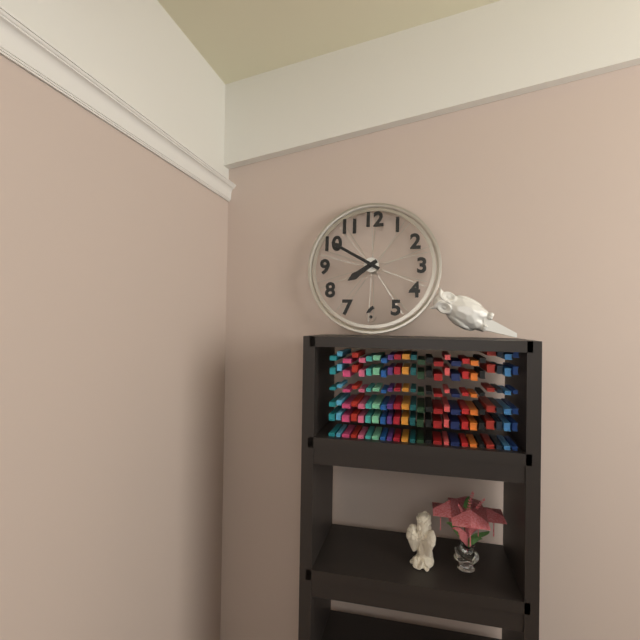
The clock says {"hour": 7, "minute": 50}
